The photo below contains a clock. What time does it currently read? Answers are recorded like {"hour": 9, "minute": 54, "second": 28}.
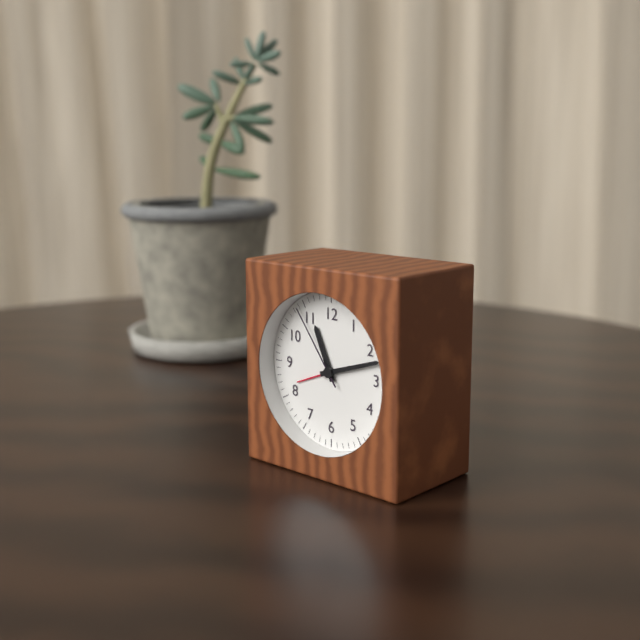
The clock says {"hour": 11, "minute": 12, "second": 54}
